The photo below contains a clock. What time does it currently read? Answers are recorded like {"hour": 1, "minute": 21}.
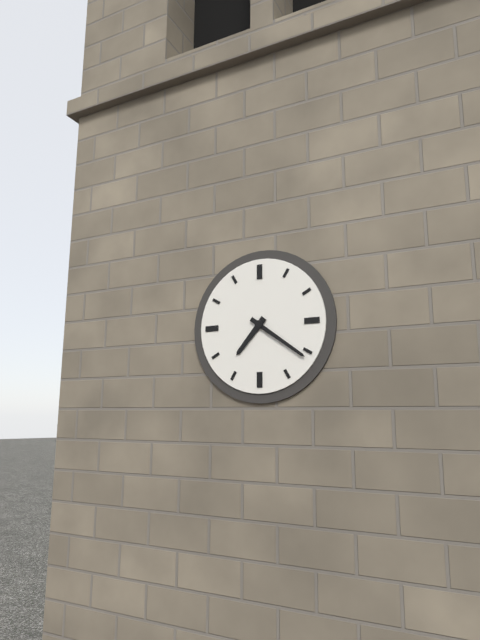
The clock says {"hour": 7, "minute": 21}
